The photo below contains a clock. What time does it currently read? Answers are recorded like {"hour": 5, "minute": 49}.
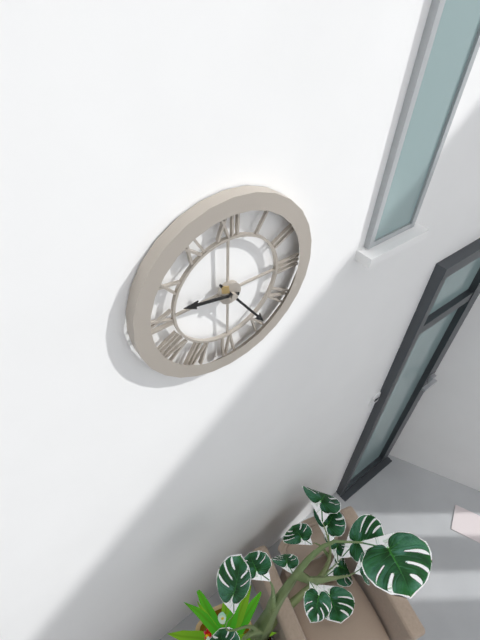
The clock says {"hour": 9, "minute": 24}
